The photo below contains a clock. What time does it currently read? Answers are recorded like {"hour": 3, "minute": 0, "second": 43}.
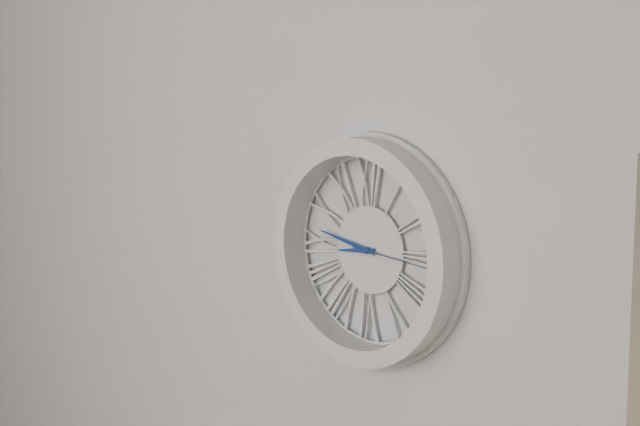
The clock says {"hour": 8, "minute": 47, "second": 16}
